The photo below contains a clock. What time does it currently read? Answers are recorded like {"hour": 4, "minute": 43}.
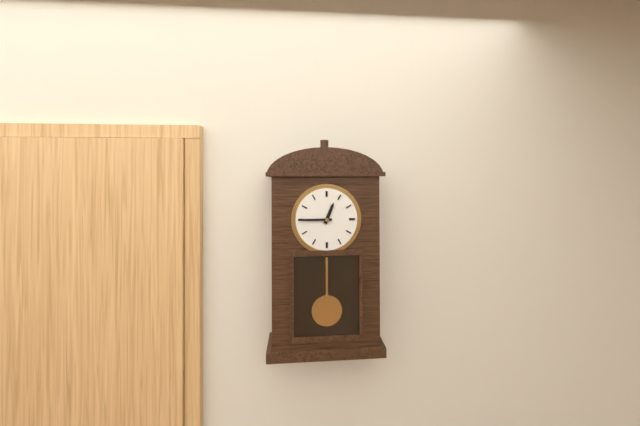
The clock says {"hour": 12, "minute": 45}
